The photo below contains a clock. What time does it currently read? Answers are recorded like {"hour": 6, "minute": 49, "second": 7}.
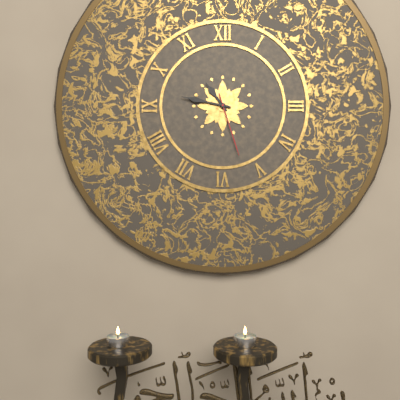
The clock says {"hour": 10, "minute": 47, "second": 27}
